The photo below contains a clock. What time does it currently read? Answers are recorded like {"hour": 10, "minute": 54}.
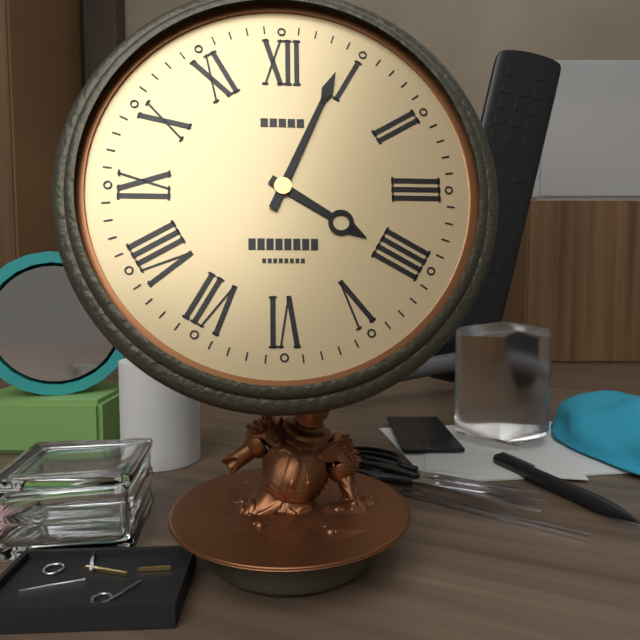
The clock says {"hour": 4, "minute": 4}
